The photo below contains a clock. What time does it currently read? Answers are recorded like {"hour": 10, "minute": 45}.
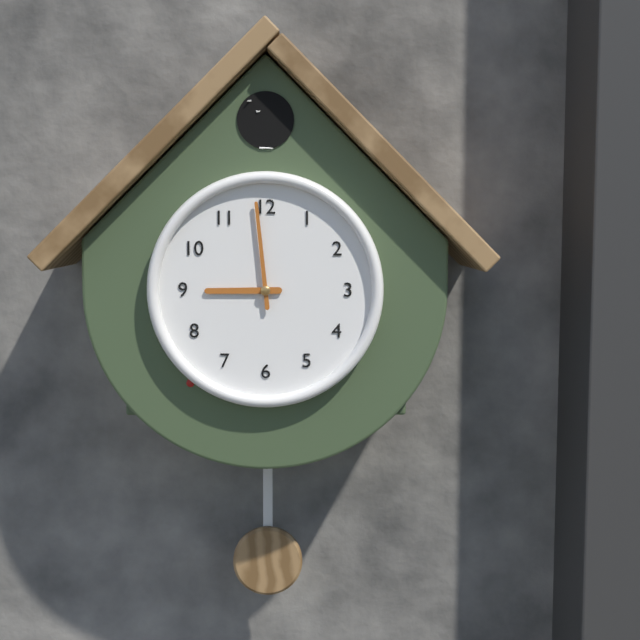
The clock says {"hour": 8, "minute": 59}
